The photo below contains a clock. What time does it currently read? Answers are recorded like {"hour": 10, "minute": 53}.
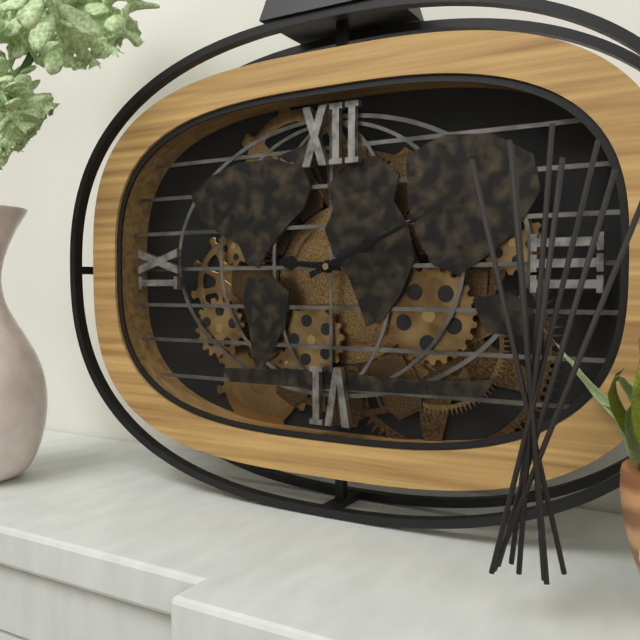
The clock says {"hour": 9, "minute": 11}
